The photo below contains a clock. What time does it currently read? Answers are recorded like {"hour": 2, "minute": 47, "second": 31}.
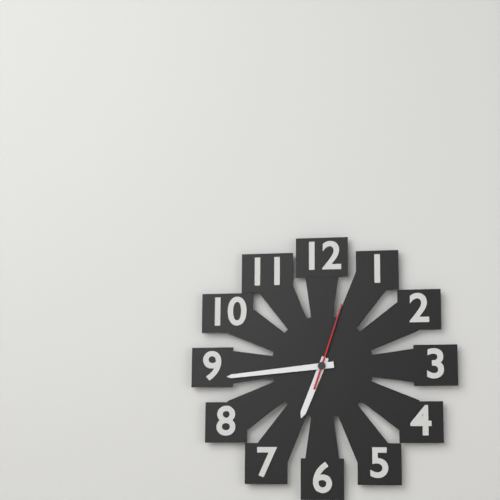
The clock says {"hour": 6, "minute": 44, "second": 3}
